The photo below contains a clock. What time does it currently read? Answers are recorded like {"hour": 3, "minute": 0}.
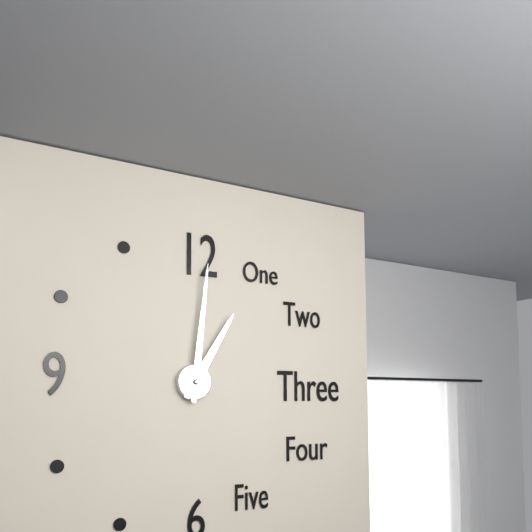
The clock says {"hour": 1, "minute": 1}
